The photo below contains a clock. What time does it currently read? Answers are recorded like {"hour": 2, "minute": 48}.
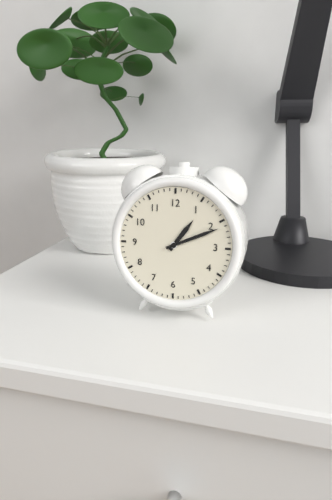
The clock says {"hour": 1, "minute": 11}
